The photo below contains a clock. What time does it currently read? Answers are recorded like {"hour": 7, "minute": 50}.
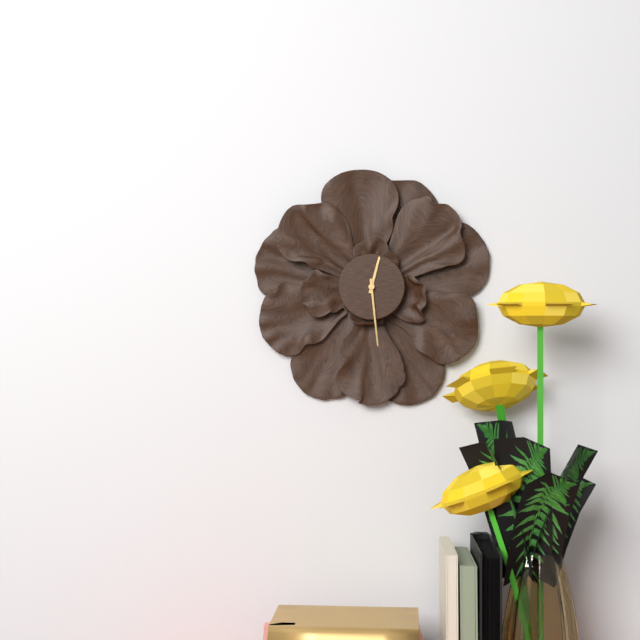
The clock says {"hour": 12, "minute": 29}
